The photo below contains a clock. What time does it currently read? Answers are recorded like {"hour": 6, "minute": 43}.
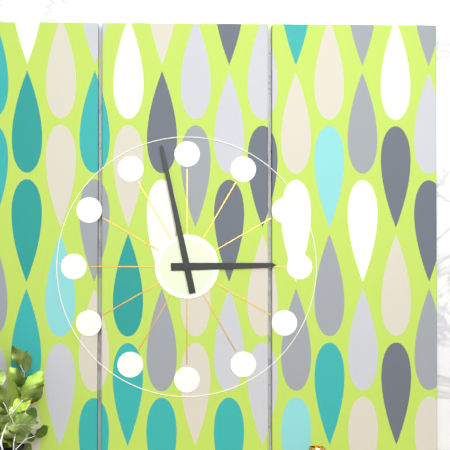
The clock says {"hour": 2, "minute": 58}
